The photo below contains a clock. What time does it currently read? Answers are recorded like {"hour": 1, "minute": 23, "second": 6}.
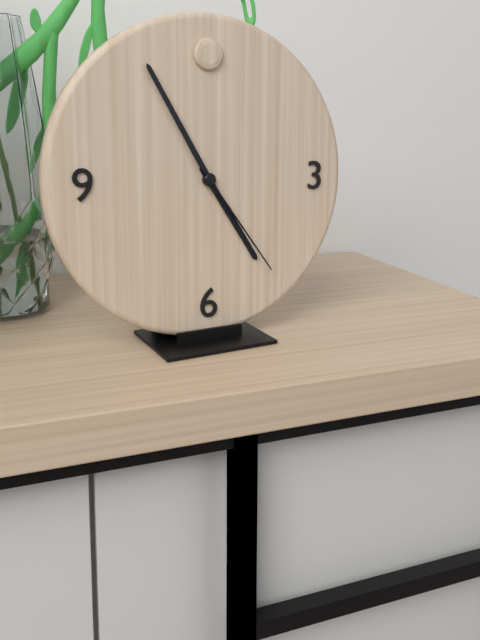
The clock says {"hour": 4, "minute": 55, "second": 24}
